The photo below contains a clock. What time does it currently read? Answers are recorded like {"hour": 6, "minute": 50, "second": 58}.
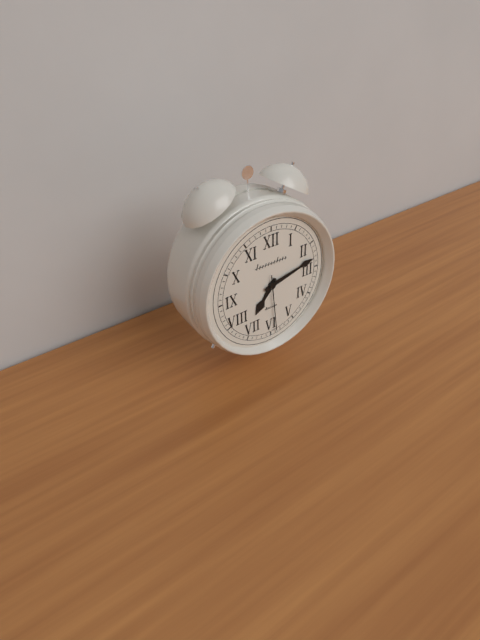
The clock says {"hour": 7, "minute": 13, "second": 29}
